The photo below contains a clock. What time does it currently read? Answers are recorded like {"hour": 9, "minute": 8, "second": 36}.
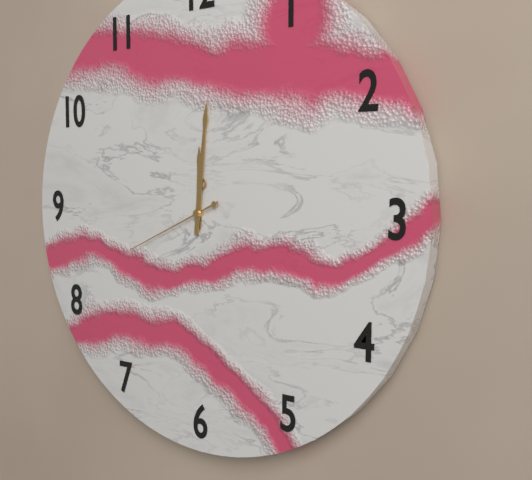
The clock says {"hour": 12, "minute": 1, "second": 41}
